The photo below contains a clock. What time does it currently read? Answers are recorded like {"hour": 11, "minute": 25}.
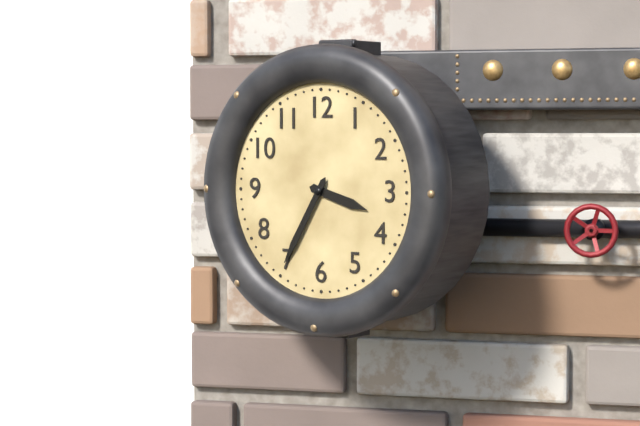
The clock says {"hour": 3, "minute": 35}
